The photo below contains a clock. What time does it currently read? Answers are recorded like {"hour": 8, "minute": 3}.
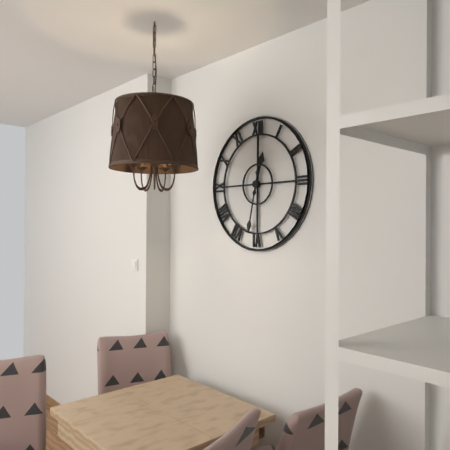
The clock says {"hour": 12, "minute": 32}
